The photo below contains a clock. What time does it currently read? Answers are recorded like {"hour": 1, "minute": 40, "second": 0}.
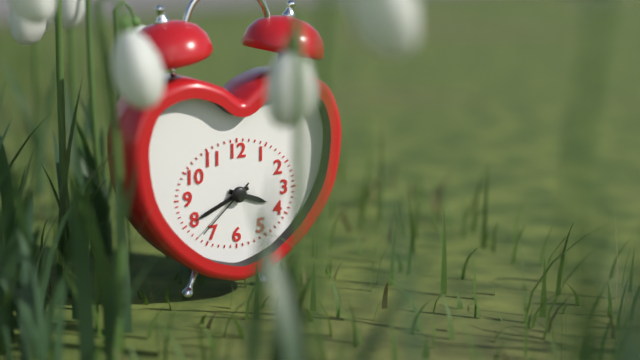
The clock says {"hour": 3, "minute": 41, "second": 38}
